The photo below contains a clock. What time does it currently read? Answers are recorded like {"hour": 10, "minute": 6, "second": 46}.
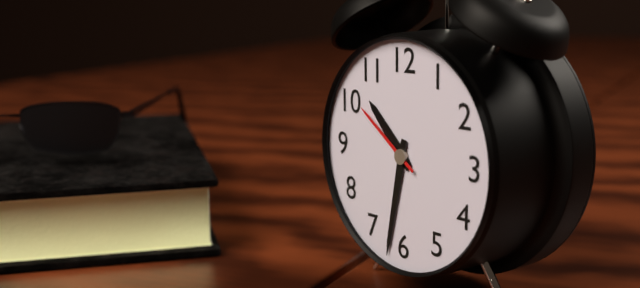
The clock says {"hour": 10, "minute": 32, "second": 51}
